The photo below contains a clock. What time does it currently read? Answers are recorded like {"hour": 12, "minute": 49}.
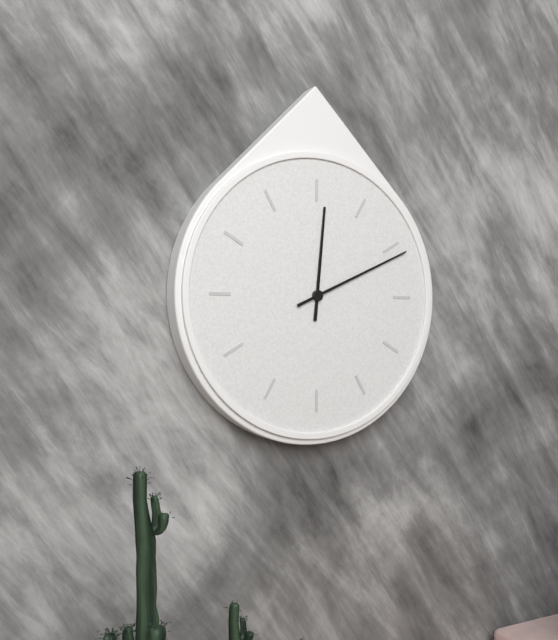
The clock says {"hour": 12, "minute": 11}
